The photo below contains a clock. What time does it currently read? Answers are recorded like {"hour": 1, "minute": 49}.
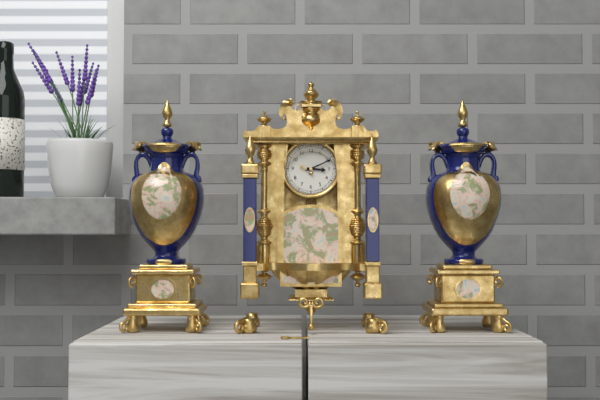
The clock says {"hour": 3, "minute": 11}
